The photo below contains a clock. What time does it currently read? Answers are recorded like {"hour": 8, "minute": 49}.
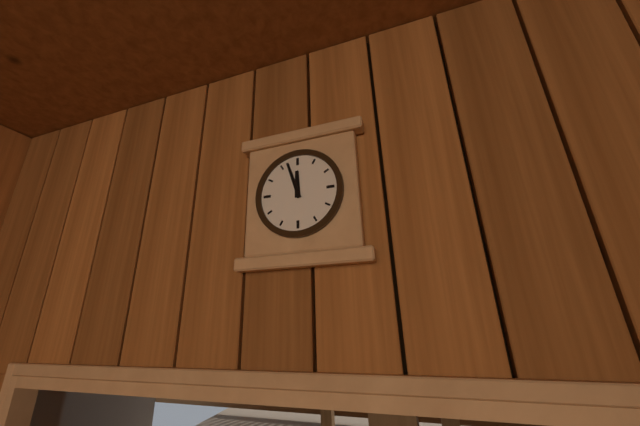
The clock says {"hour": 11, "minute": 57}
